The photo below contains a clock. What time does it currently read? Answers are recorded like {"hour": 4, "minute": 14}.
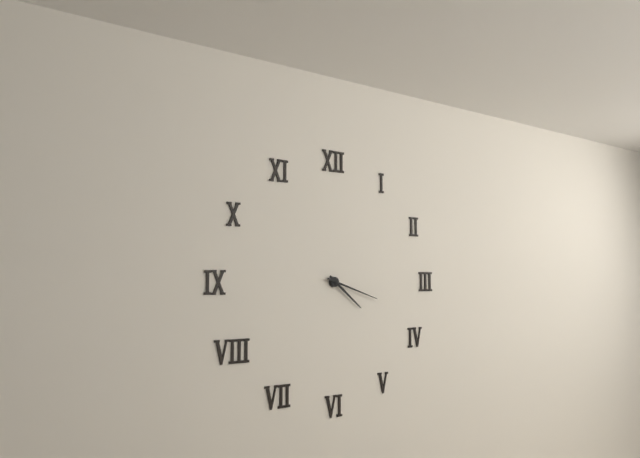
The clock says {"hour": 4, "minute": 18}
